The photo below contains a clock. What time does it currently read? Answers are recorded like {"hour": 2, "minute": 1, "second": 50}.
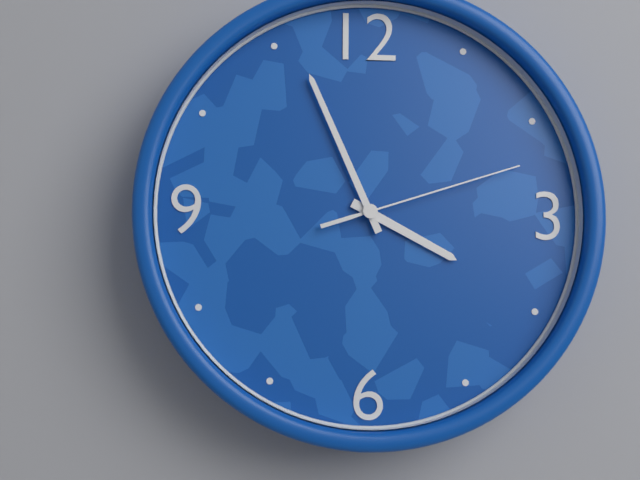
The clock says {"hour": 3, "minute": 56, "second": 12}
